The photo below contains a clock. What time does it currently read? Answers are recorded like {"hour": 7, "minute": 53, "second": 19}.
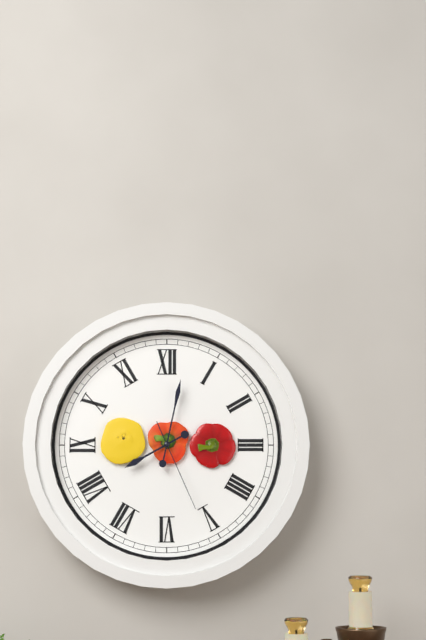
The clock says {"hour": 8, "minute": 2, "second": 26}
